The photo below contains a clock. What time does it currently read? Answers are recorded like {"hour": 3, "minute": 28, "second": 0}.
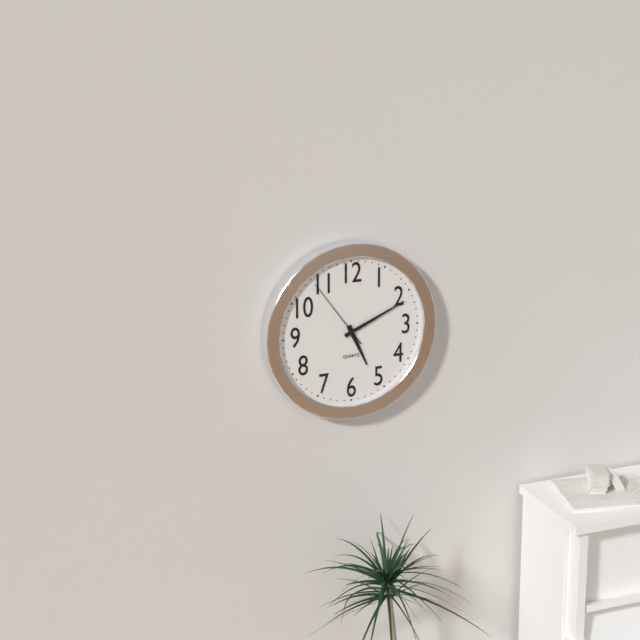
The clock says {"hour": 5, "minute": 11, "second": 54}
